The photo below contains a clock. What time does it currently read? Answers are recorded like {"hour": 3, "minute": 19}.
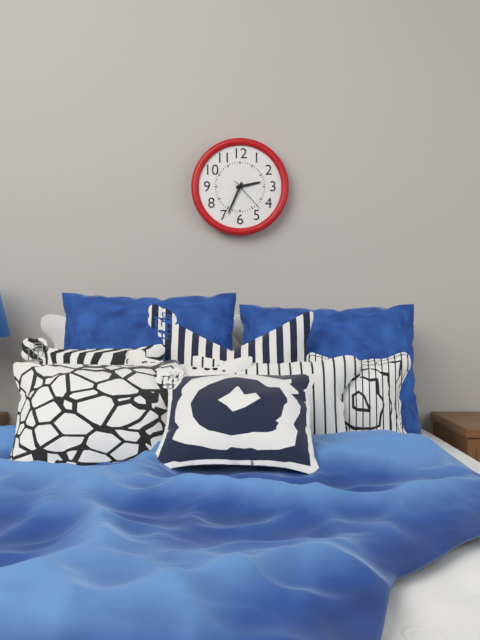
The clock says {"hour": 2, "minute": 34}
